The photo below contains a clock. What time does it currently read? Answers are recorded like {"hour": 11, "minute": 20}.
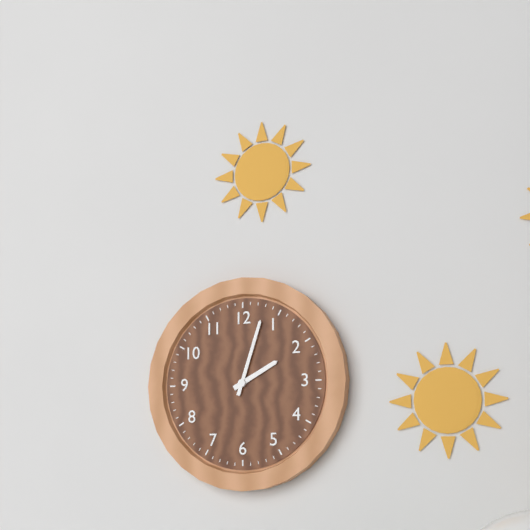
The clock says {"hour": 2, "minute": 3}
